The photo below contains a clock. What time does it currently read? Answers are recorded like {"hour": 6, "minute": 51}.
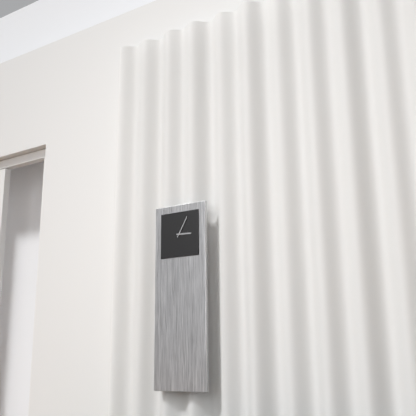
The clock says {"hour": 3, "minute": 5}
